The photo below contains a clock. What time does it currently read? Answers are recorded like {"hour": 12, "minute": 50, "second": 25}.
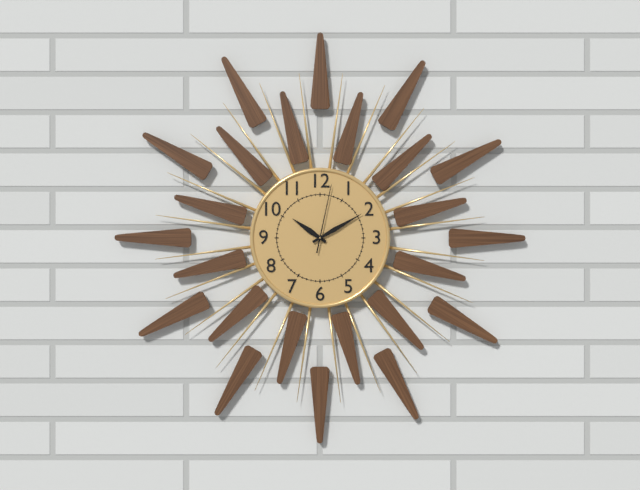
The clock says {"hour": 10, "minute": 10, "second": 2}
